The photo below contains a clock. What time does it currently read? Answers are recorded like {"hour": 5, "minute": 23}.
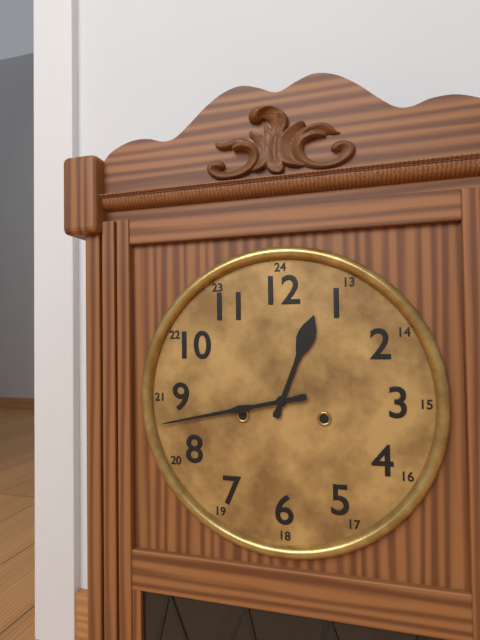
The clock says {"hour": 12, "minute": 43}
